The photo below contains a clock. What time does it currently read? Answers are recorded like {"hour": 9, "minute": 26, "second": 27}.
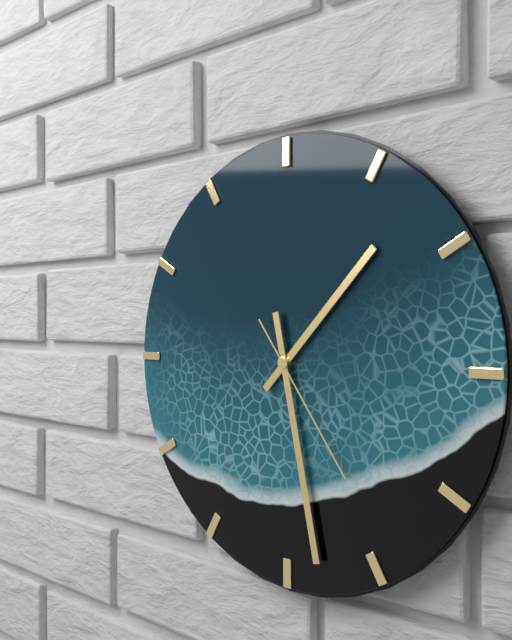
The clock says {"hour": 1, "minute": 28, "second": 24}
